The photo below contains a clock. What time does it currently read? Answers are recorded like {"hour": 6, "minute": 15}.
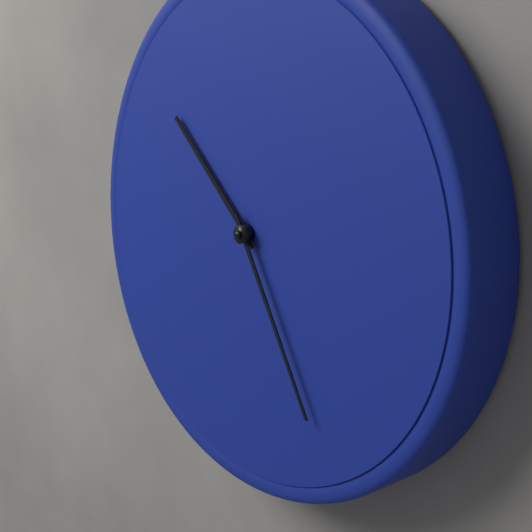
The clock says {"hour": 10, "minute": 25}
